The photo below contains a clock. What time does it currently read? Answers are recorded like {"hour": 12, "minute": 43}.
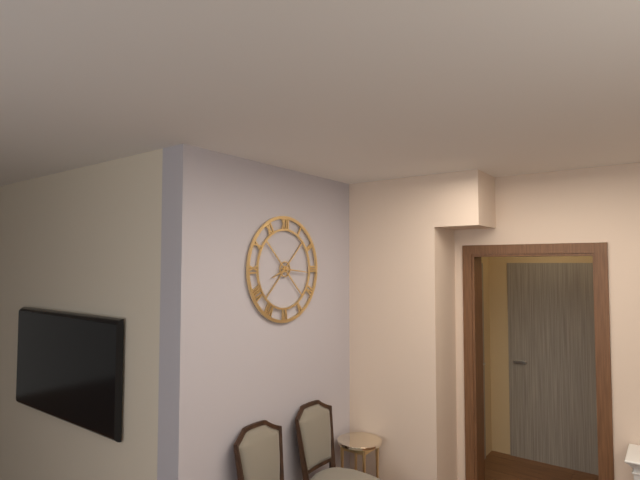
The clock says {"hour": 8, "minute": 16}
